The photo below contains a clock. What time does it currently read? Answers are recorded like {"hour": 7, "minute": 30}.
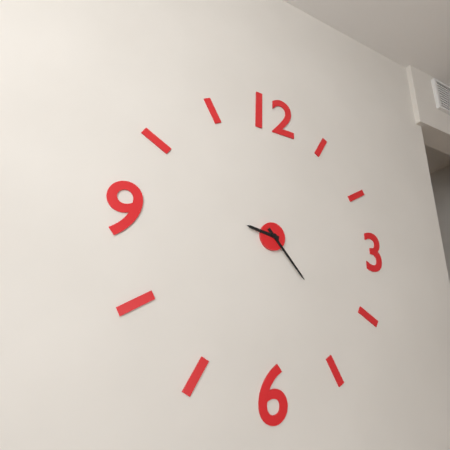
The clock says {"hour": 9, "minute": 23}
